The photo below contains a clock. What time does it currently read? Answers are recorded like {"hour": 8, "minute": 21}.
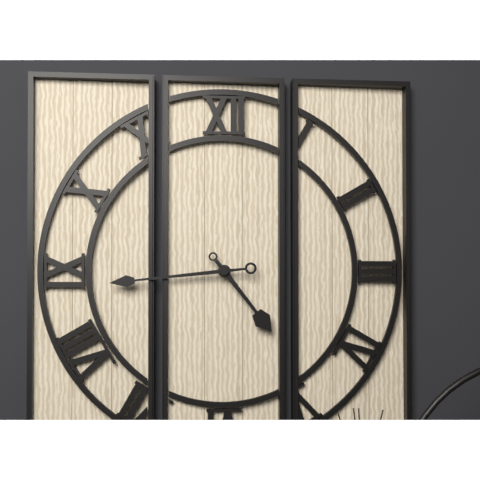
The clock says {"hour": 4, "minute": 44}
